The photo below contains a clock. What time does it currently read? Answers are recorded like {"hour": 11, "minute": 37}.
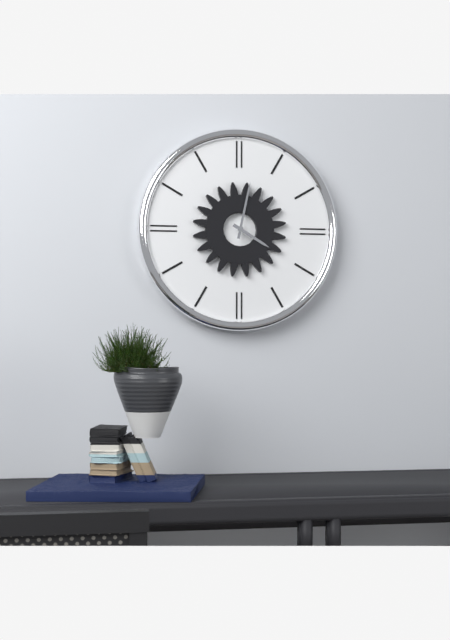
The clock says {"hour": 4, "minute": 2}
